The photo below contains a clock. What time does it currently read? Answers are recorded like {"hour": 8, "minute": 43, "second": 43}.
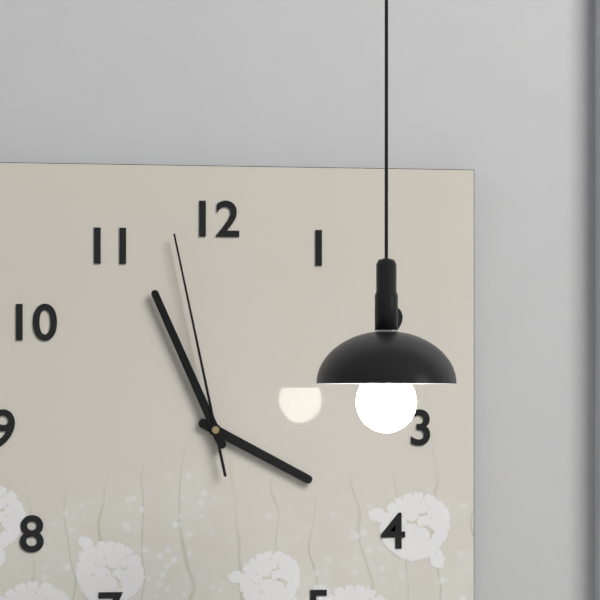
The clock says {"hour": 3, "minute": 56, "second": 58}
